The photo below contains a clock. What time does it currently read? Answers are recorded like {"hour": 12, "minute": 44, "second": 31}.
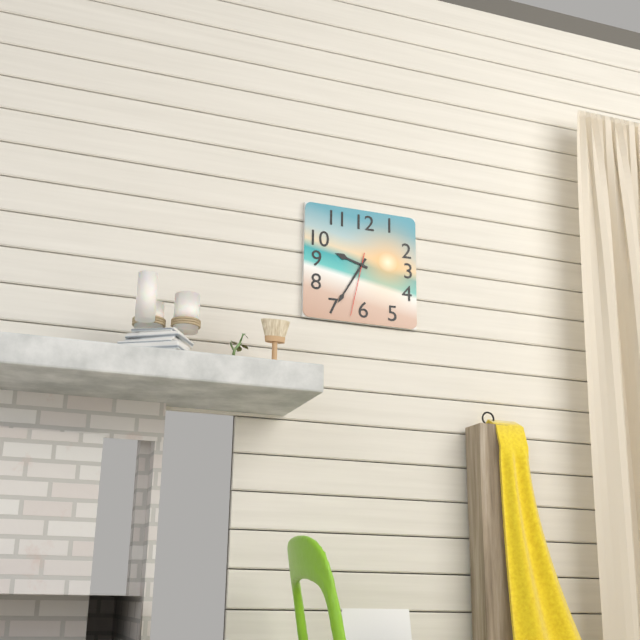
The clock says {"hour": 9, "minute": 35, "second": 32}
